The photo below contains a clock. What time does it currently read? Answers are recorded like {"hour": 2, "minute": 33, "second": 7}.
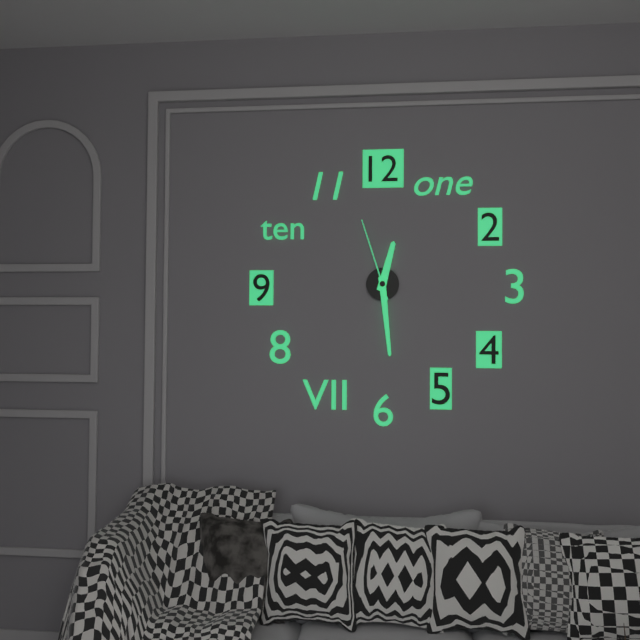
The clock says {"hour": 12, "minute": 29, "second": 57}
